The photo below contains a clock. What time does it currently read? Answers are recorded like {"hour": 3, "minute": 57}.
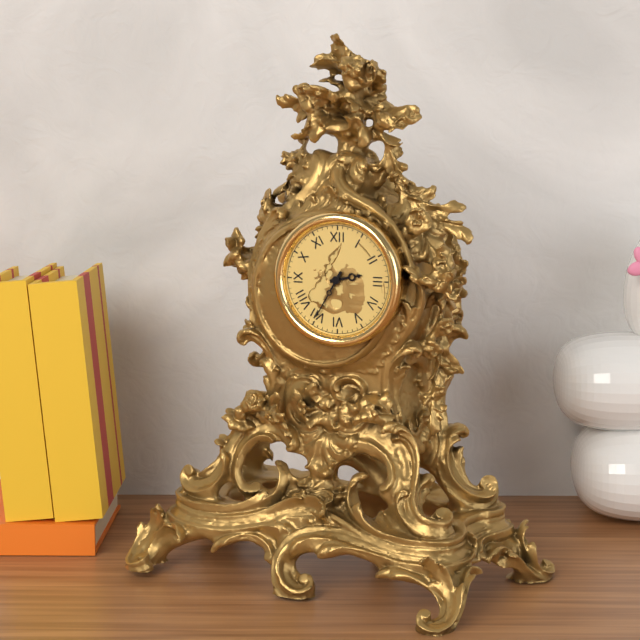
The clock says {"hour": 2, "minute": 35}
